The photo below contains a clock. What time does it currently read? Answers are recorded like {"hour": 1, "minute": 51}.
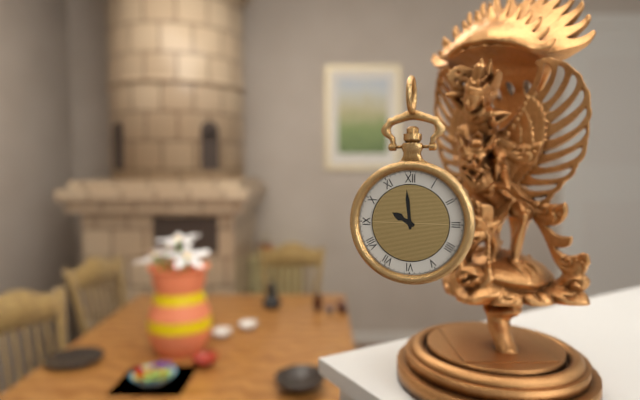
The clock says {"hour": 9, "minute": 59}
